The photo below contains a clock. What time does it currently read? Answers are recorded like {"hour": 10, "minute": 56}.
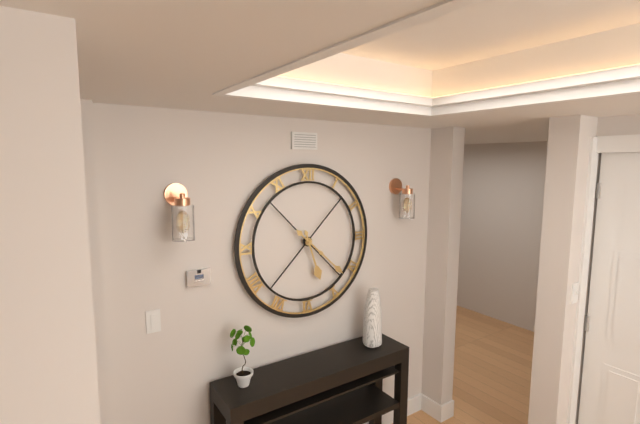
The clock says {"hour": 5, "minute": 22}
